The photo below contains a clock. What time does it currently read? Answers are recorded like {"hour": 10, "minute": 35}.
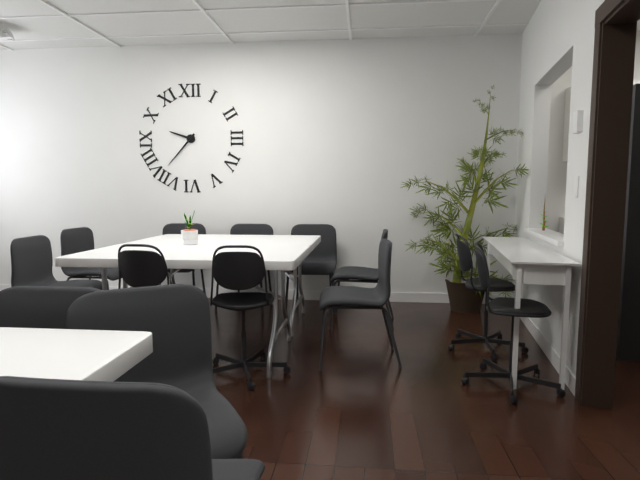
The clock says {"hour": 9, "minute": 37}
